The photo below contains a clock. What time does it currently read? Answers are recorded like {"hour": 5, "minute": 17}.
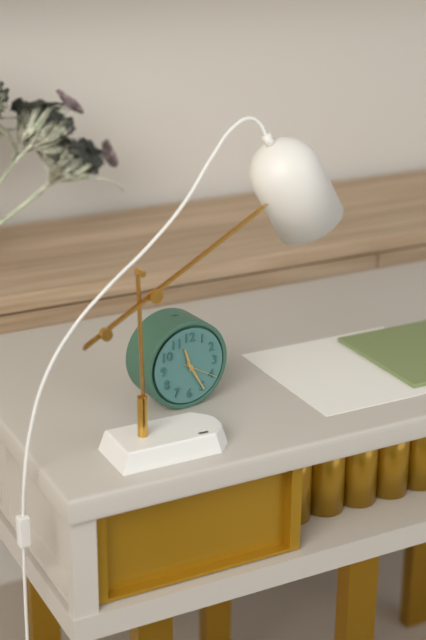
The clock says {"hour": 11, "minute": 25}
